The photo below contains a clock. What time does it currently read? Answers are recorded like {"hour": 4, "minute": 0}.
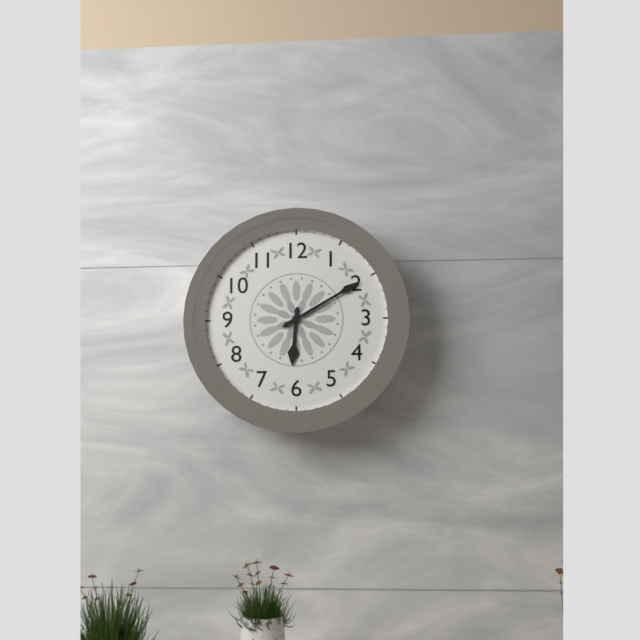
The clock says {"hour": 6, "minute": 10}
